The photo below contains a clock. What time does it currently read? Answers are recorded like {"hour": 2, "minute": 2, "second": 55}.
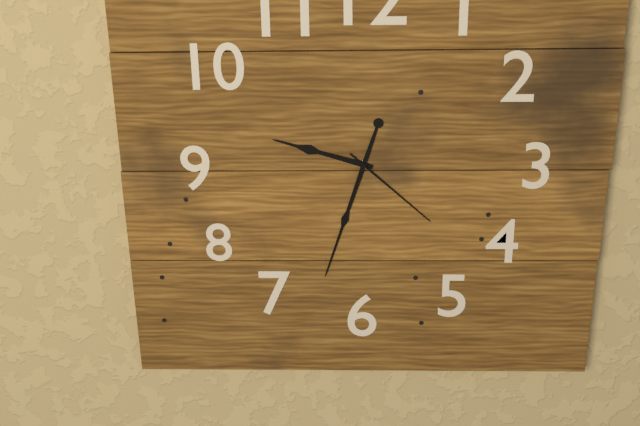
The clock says {"hour": 9, "minute": 33, "second": 22}
